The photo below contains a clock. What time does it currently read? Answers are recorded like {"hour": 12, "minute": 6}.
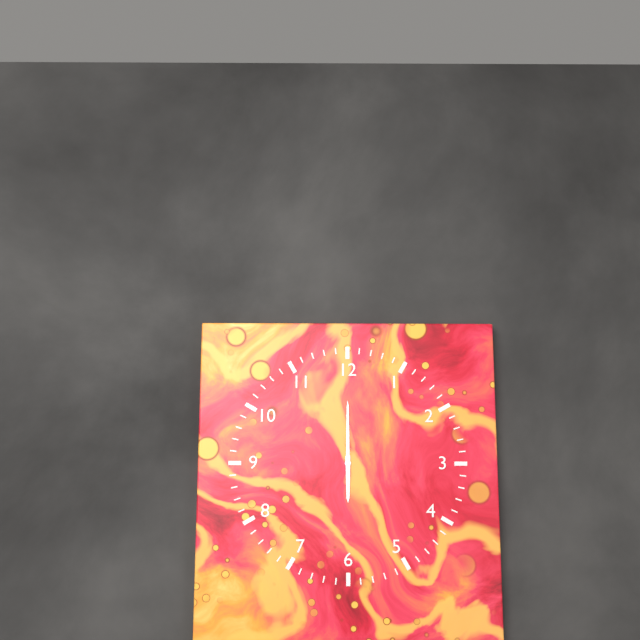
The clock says {"hour": 6, "minute": 0}
